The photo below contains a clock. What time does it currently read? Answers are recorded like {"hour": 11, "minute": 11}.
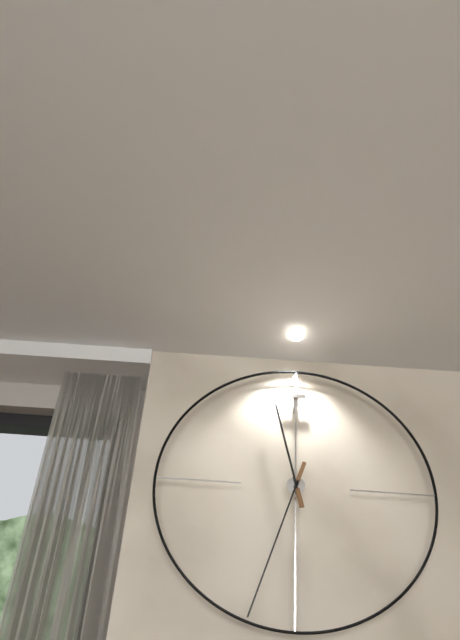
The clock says {"hour": 11, "minute": 33}
